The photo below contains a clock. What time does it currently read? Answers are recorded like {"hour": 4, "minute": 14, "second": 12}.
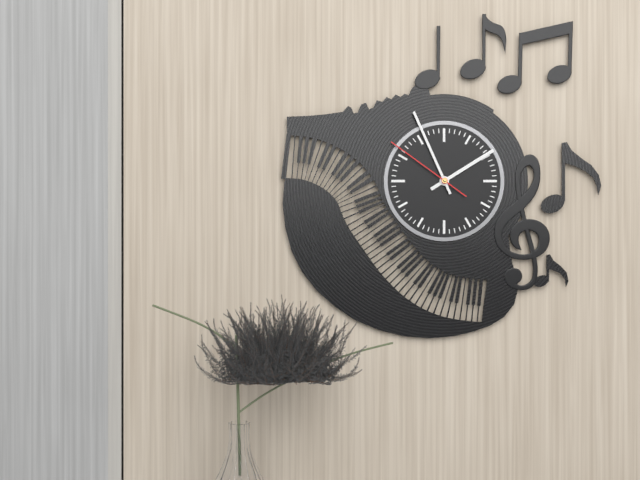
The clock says {"hour": 1, "minute": 56, "second": 51}
